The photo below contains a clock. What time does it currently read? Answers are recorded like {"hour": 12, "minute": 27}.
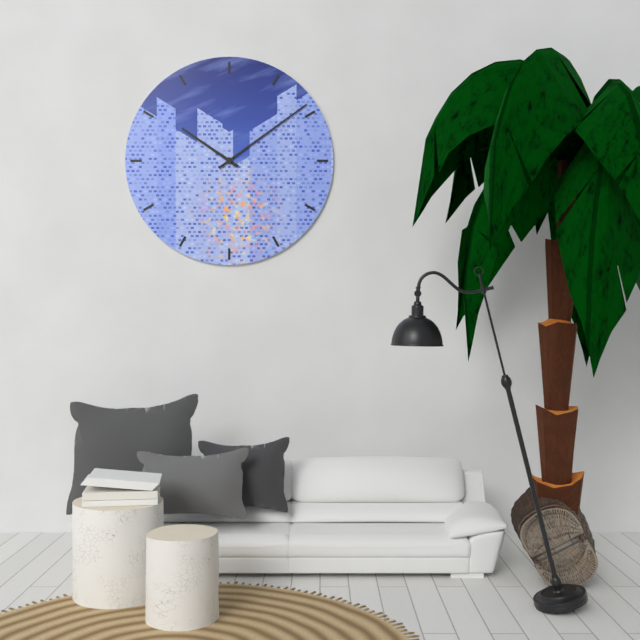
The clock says {"hour": 10, "minute": 9}
